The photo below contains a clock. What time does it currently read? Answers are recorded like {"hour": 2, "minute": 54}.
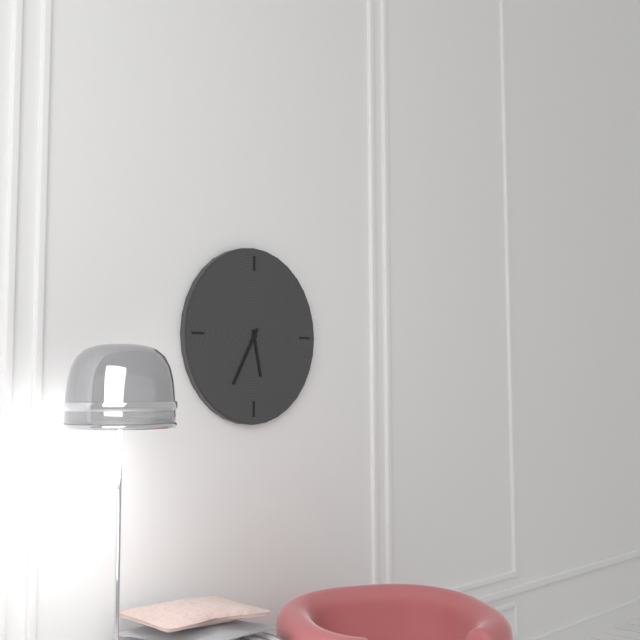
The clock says {"hour": 5, "minute": 35}
